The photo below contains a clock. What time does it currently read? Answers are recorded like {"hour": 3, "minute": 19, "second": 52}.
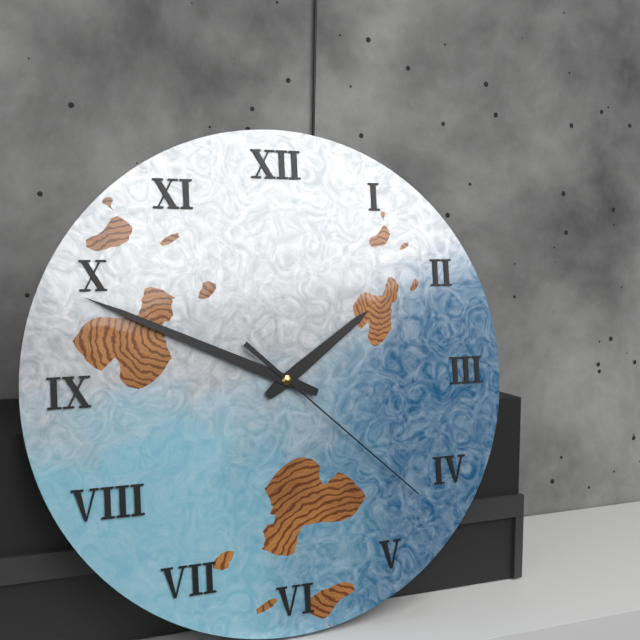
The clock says {"hour": 1, "minute": 49, "second": 22}
